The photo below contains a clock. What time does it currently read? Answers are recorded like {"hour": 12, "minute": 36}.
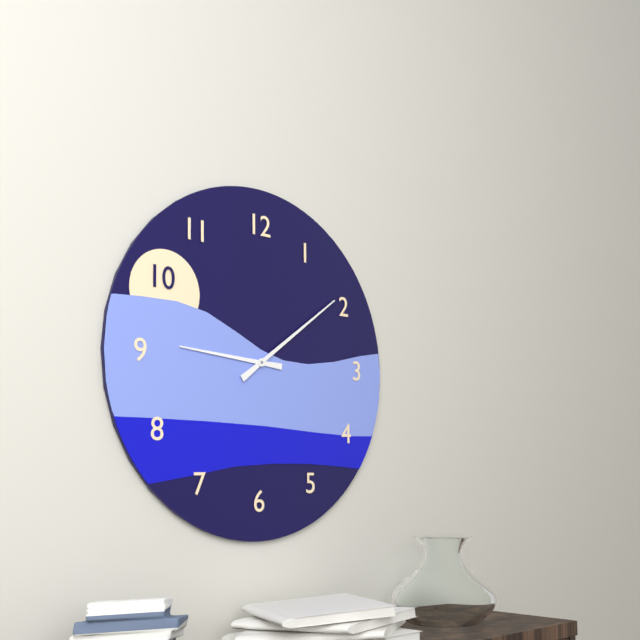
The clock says {"hour": 9, "minute": 9}
